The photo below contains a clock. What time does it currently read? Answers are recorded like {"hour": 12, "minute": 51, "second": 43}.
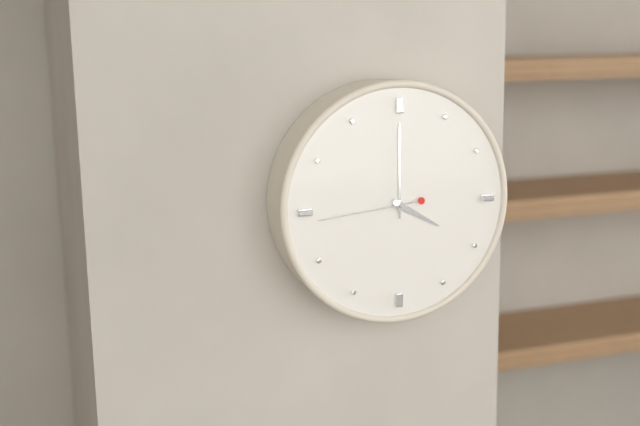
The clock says {"hour": 4, "minute": 0, "second": 44}
